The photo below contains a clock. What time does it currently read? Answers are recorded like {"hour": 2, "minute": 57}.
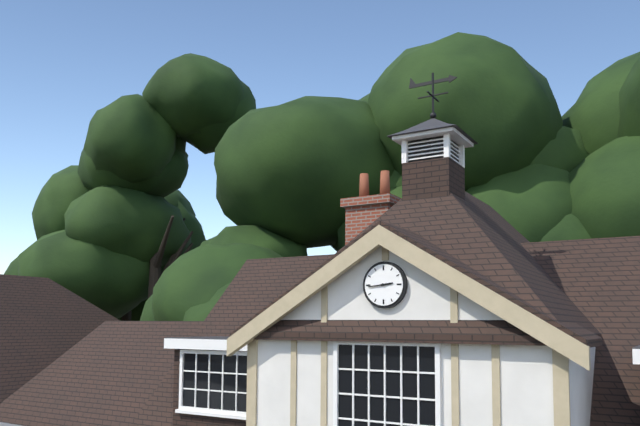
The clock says {"hour": 2, "minute": 44}
